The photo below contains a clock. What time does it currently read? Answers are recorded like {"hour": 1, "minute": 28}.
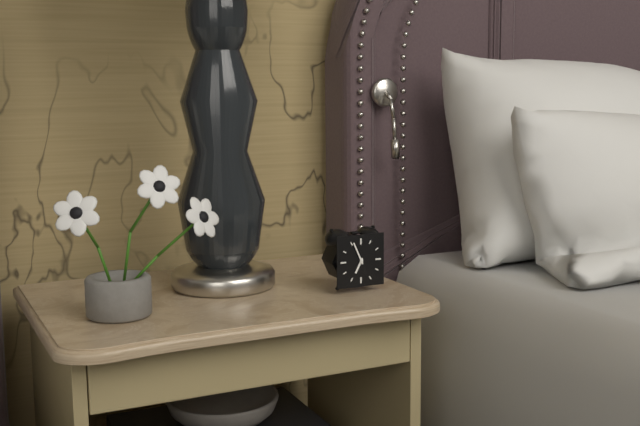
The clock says {"hour": 6, "minute": 56}
